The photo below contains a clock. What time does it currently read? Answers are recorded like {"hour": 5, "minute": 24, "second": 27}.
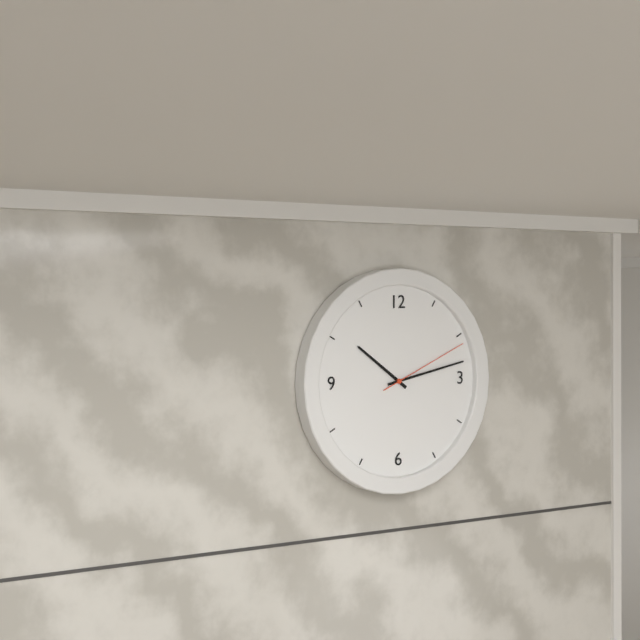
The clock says {"hour": 10, "minute": 13, "second": 11}
